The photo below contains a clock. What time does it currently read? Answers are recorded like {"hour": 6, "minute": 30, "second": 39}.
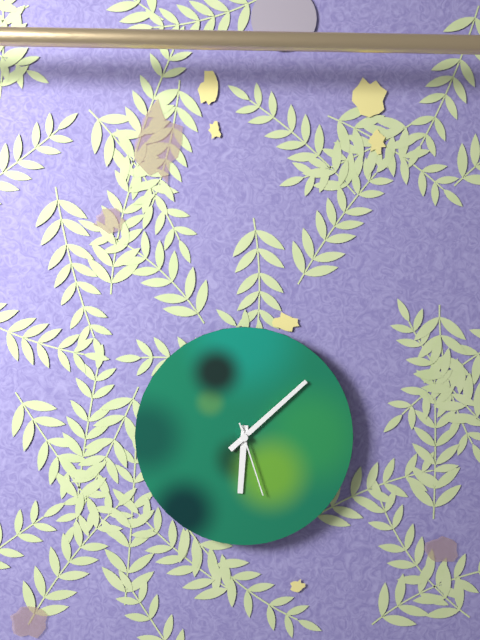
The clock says {"hour": 6, "minute": 8, "second": 27}
